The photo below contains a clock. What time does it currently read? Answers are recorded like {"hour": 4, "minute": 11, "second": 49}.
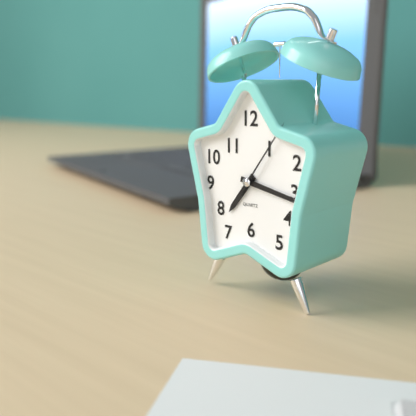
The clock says {"hour": 7, "minute": 17, "second": 6}
